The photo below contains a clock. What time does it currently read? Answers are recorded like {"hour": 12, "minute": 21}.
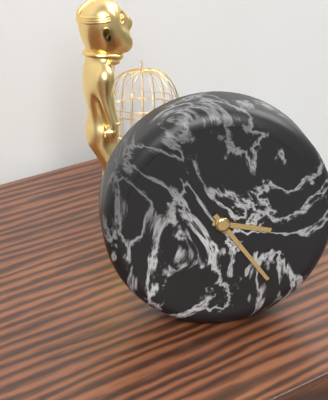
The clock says {"hour": 3, "minute": 24}
